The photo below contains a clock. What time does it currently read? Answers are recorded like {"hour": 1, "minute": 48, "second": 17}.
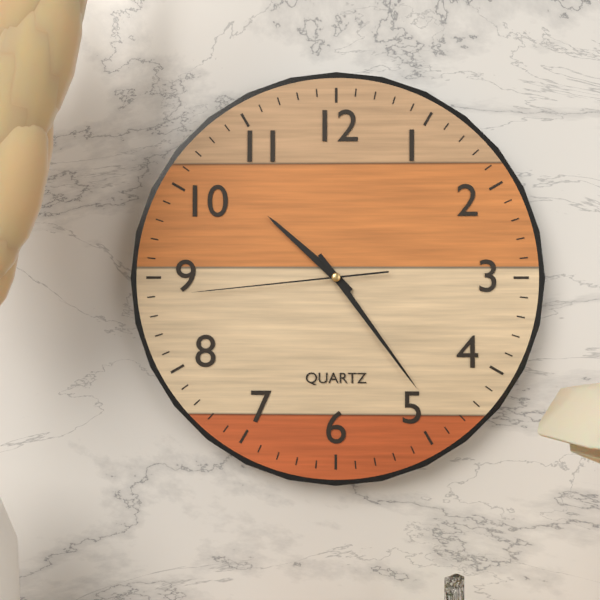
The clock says {"hour": 10, "minute": 24, "second": 44}
